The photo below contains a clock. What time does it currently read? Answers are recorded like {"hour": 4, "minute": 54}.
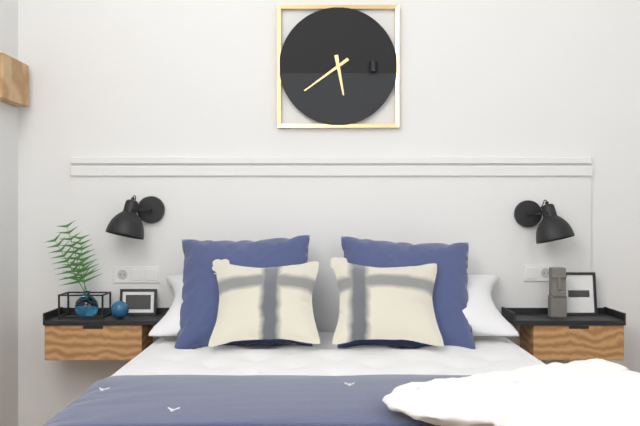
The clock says {"hour": 5, "minute": 39}
